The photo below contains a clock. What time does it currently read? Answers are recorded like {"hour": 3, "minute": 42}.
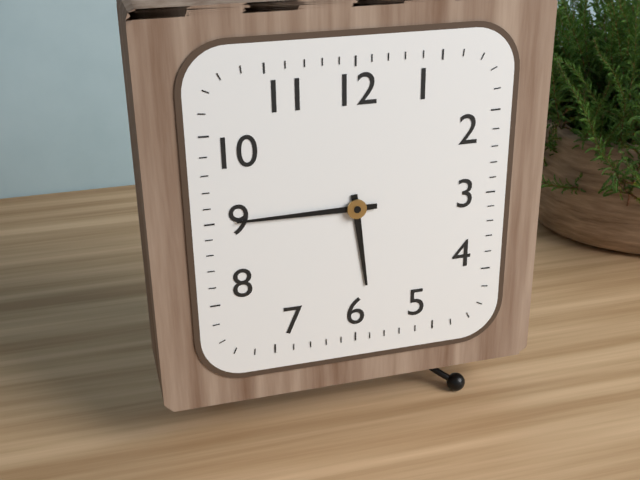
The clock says {"hour": 5, "minute": 45}
